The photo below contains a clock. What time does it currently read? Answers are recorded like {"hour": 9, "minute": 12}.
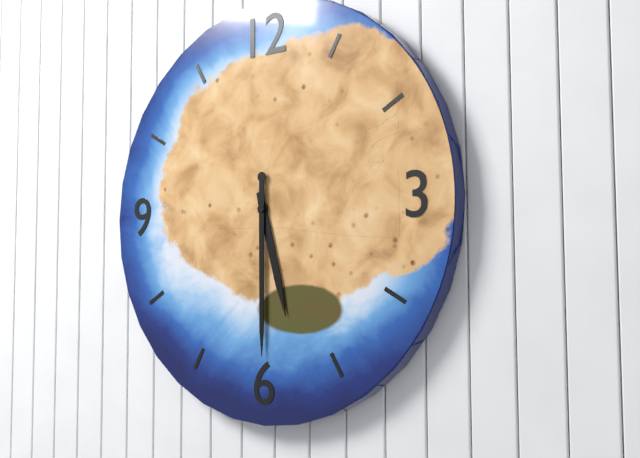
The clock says {"hour": 5, "minute": 30}
